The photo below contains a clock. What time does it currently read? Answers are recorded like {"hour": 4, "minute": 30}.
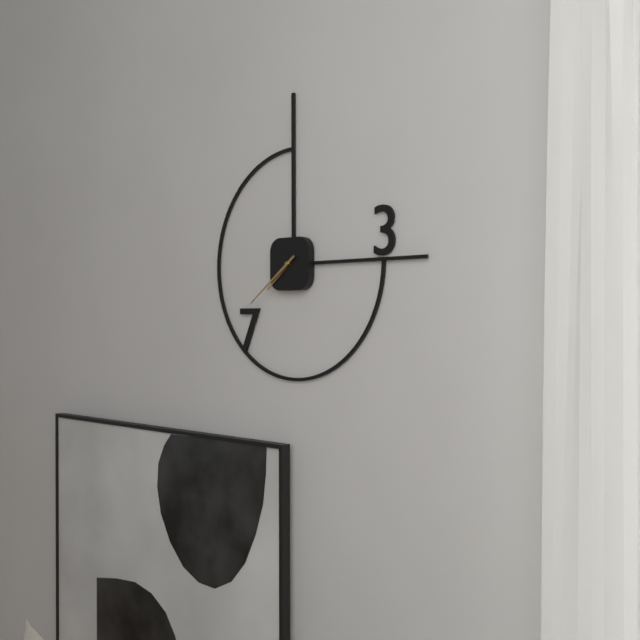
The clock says {"hour": 7, "minute": 39}
